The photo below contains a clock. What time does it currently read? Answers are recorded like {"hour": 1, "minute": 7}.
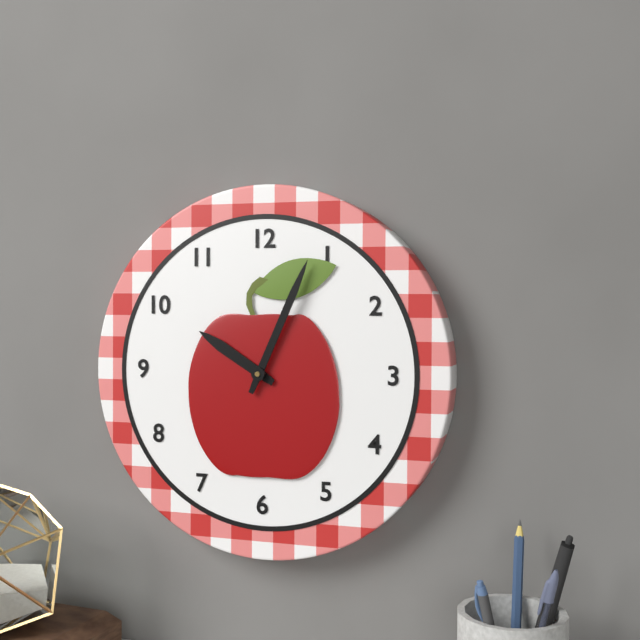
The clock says {"hour": 10, "minute": 4}
